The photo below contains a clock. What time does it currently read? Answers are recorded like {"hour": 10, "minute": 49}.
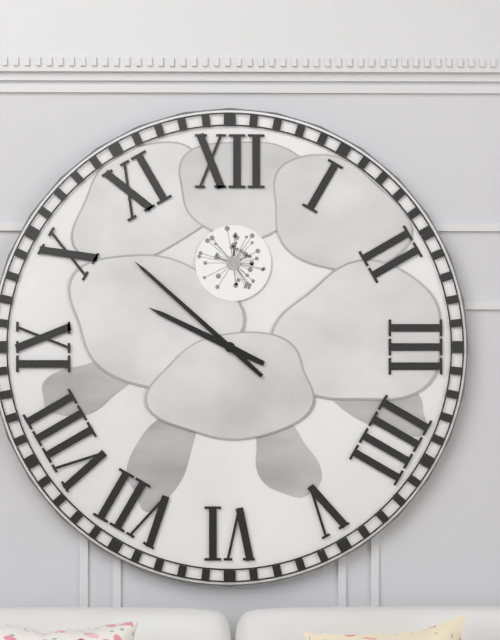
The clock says {"hour": 9, "minute": 52}
